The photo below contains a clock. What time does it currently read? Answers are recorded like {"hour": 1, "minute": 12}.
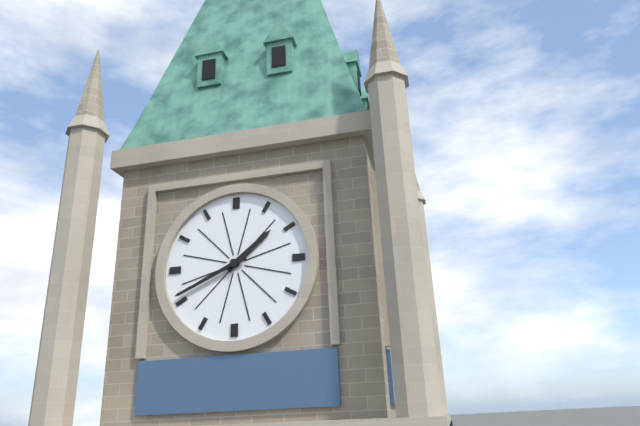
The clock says {"hour": 1, "minute": 41}
